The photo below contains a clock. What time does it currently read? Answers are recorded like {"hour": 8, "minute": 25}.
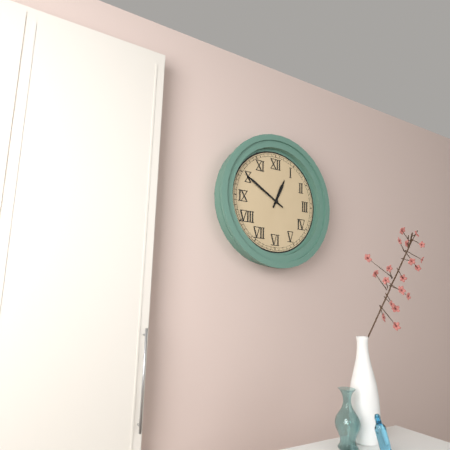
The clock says {"hour": 12, "minute": 50}
